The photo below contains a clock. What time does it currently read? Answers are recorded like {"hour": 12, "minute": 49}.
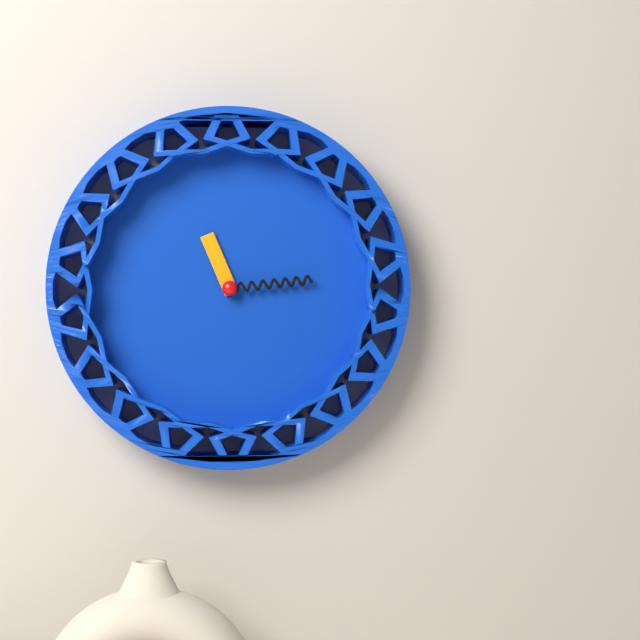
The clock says {"hour": 11, "minute": 14}
